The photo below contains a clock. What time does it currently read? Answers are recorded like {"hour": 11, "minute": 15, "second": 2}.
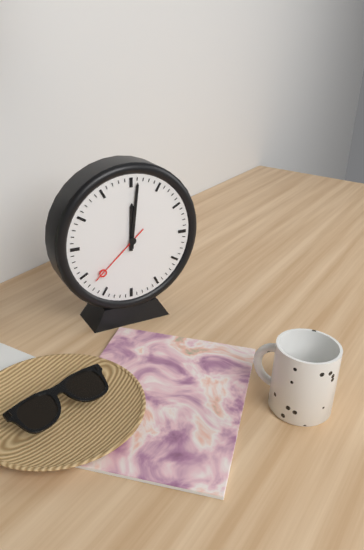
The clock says {"hour": 12, "minute": 1, "second": 38}
